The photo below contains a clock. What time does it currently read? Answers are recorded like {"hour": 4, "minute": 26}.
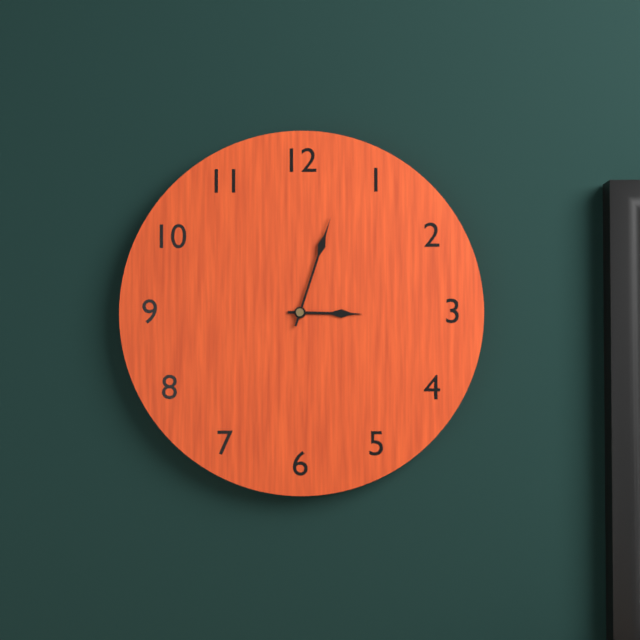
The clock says {"hour": 3, "minute": 3}
